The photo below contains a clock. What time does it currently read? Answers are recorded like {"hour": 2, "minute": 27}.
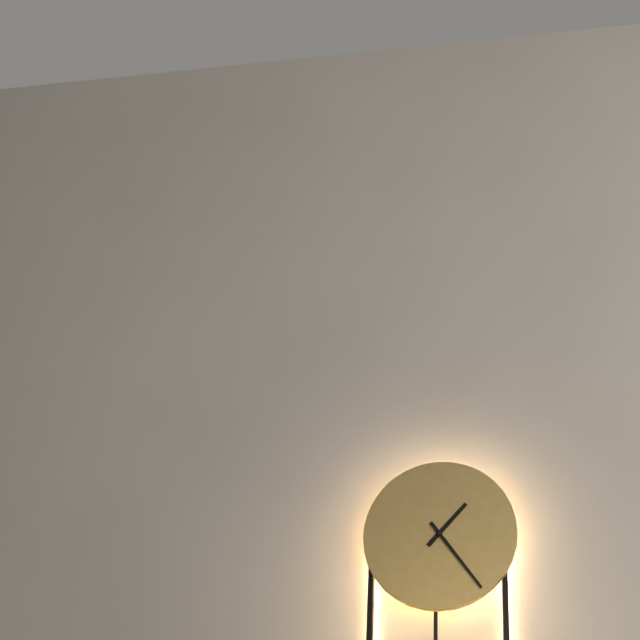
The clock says {"hour": 1, "minute": 24}
